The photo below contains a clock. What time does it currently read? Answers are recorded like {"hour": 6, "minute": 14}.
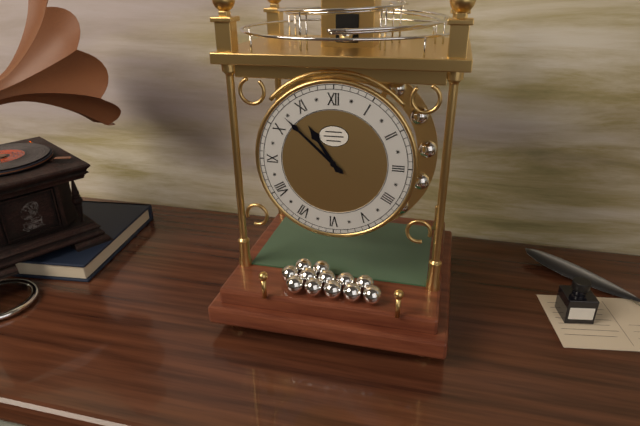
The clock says {"hour": 10, "minute": 52}
